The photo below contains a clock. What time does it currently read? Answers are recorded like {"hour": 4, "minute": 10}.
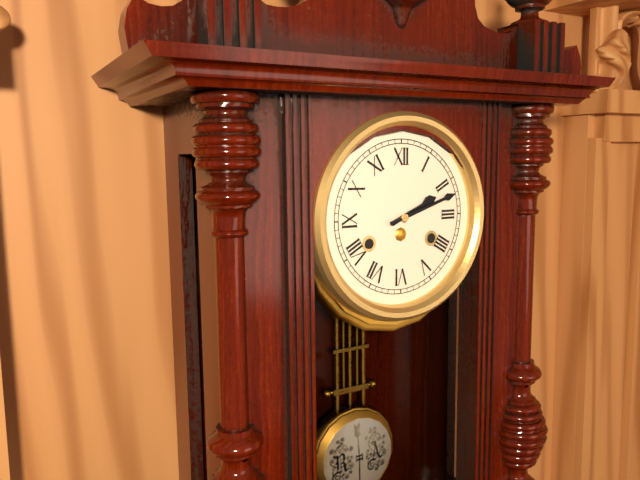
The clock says {"hour": 2, "minute": 12}
